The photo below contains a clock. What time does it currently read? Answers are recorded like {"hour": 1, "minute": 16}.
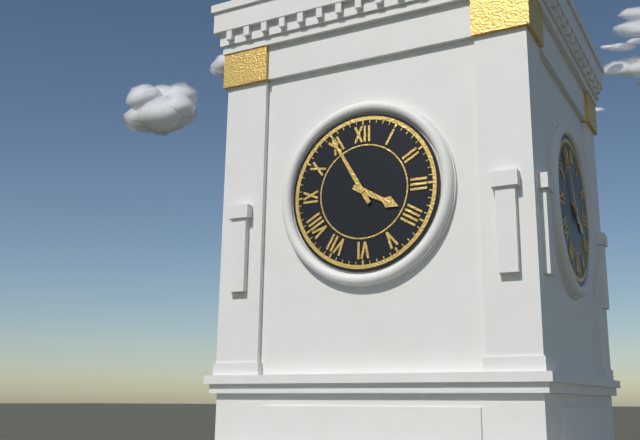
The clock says {"hour": 3, "minute": 55}
